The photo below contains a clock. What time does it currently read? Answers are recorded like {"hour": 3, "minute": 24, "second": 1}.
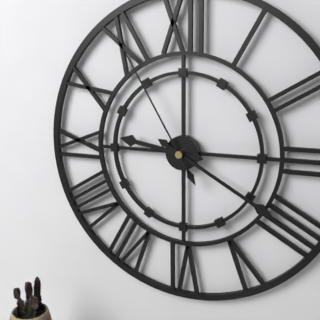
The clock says {"hour": 9, "minute": 20, "second": 55}
